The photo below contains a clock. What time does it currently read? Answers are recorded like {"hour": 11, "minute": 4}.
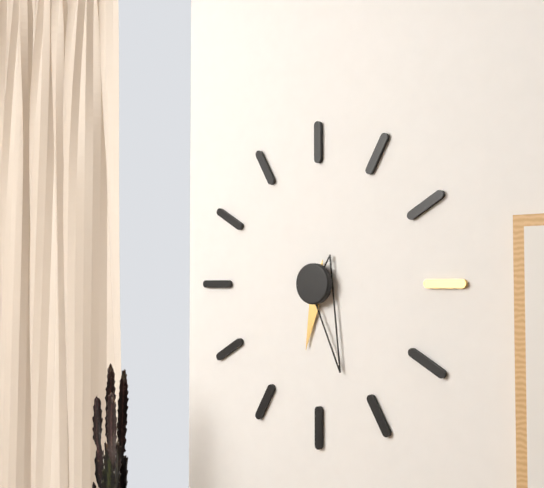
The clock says {"hour": 6, "minute": 27}
